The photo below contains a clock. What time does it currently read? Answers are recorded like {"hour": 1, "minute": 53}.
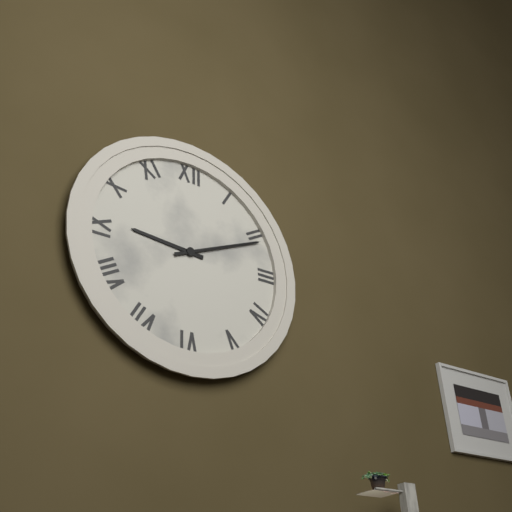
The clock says {"hour": 9, "minute": 11}
